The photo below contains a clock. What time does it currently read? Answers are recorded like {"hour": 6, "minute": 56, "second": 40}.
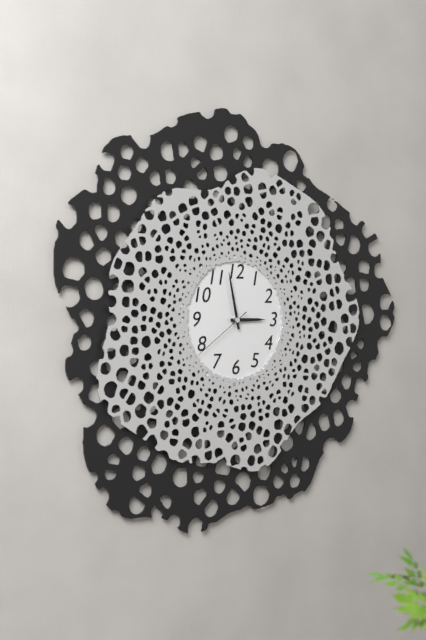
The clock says {"hour": 2, "minute": 58, "second": 39}
